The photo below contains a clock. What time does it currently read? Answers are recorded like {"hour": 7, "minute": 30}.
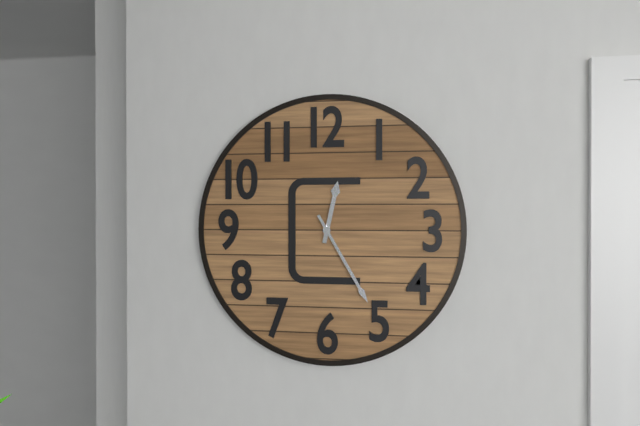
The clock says {"hour": 12, "minute": 25}
